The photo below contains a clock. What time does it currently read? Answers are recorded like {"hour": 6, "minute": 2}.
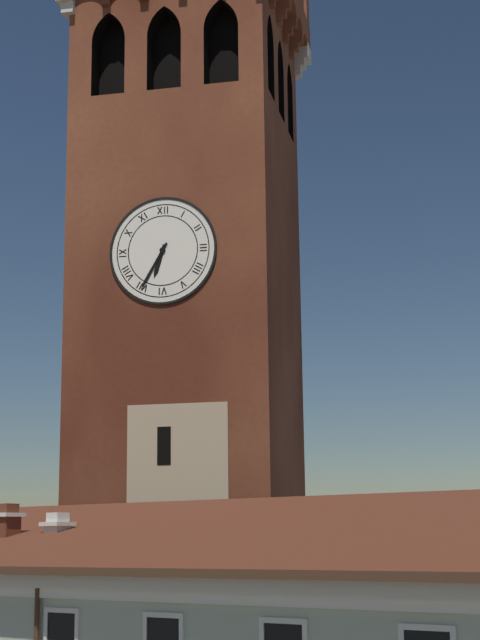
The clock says {"hour": 6, "minute": 35}
